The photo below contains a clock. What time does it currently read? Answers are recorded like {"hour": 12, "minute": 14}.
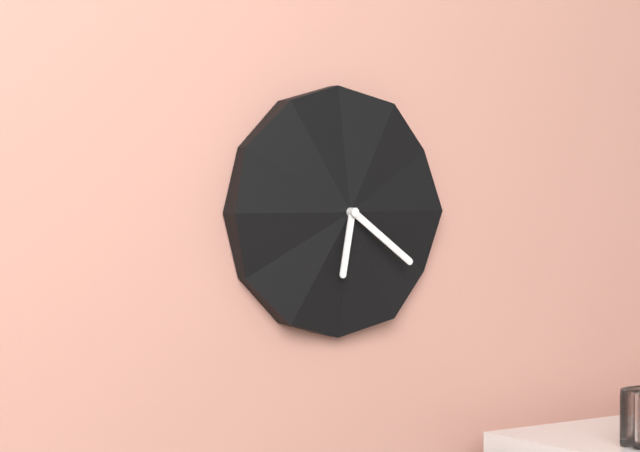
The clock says {"hour": 6, "minute": 21}
